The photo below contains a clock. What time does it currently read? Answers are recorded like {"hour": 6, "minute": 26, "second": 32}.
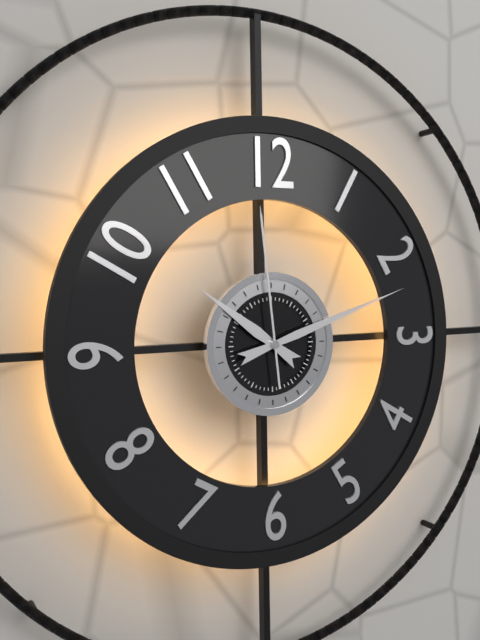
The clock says {"hour": 10, "minute": 12, "second": 59}
